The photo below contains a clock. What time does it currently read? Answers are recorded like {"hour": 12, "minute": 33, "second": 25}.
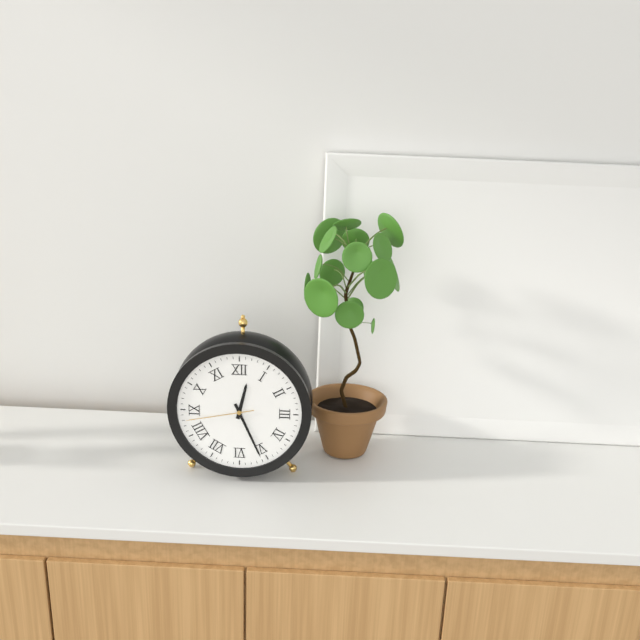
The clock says {"hour": 12, "minute": 26, "second": 43}
